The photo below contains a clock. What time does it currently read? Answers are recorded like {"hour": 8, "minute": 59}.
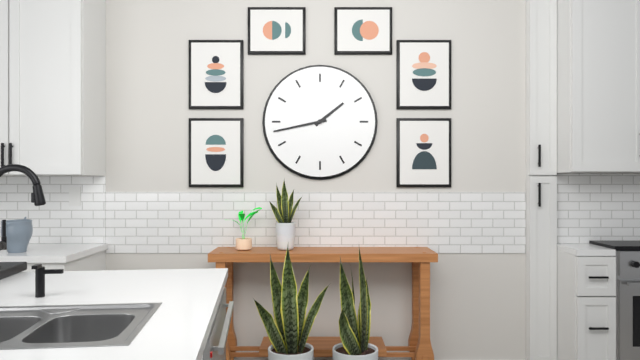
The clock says {"hour": 1, "minute": 43}
